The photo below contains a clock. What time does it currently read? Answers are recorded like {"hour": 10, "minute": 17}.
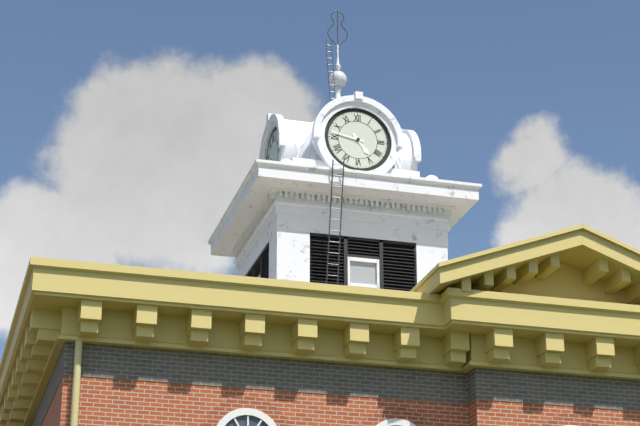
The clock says {"hour": 4, "minute": 47}
